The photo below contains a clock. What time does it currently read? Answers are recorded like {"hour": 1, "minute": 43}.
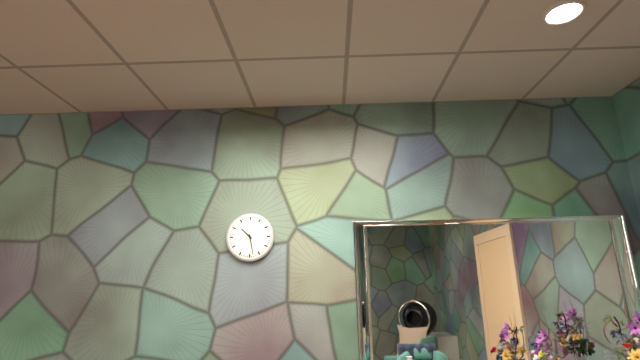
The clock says {"hour": 10, "minute": 28}
